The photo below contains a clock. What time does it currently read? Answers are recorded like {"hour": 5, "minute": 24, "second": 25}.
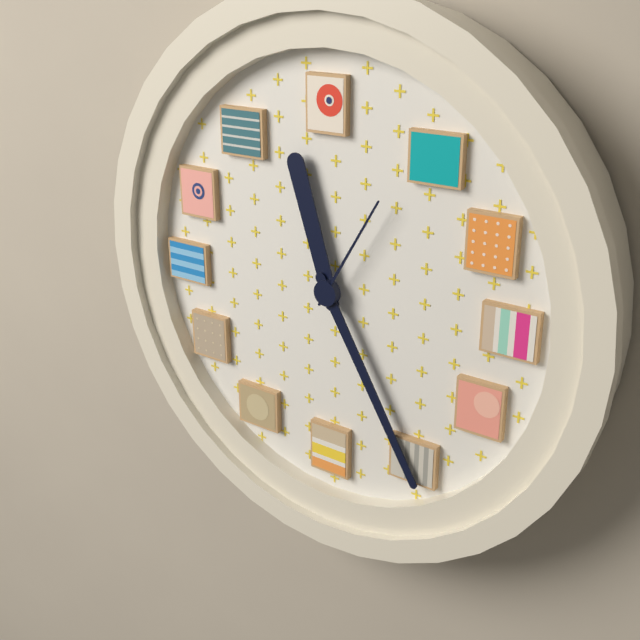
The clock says {"hour": 11, "minute": 25, "second": 5}
